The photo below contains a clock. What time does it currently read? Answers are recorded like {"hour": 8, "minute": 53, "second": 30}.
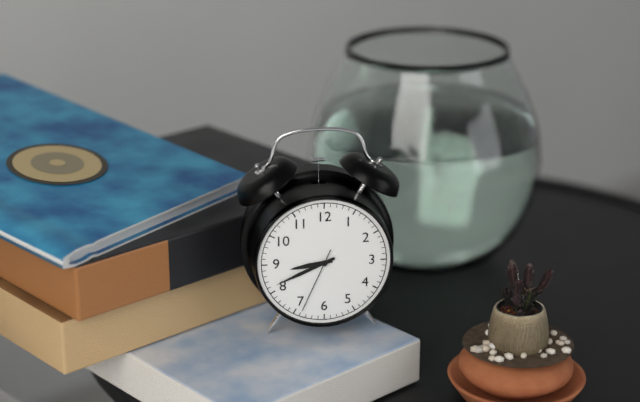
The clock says {"hour": 8, "minute": 41, "second": 34}
